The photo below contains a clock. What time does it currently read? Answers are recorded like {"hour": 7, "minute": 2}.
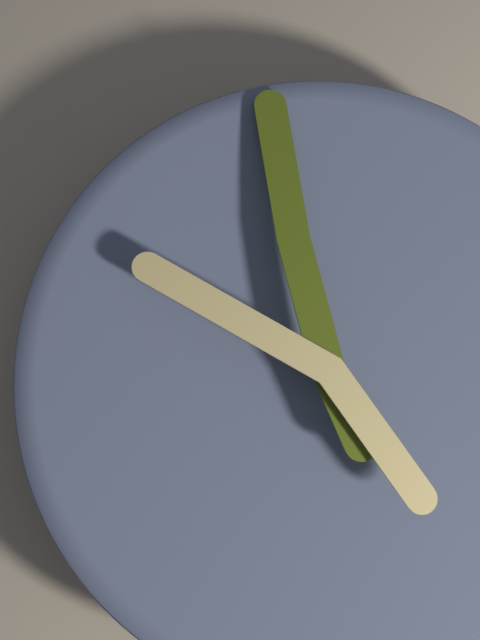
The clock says {"hour": 9, "minute": 58}
